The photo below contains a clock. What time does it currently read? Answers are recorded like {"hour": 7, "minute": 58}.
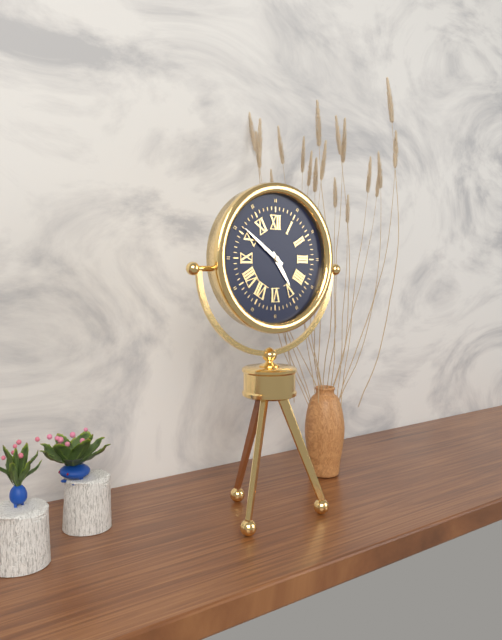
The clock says {"hour": 4, "minute": 51}
